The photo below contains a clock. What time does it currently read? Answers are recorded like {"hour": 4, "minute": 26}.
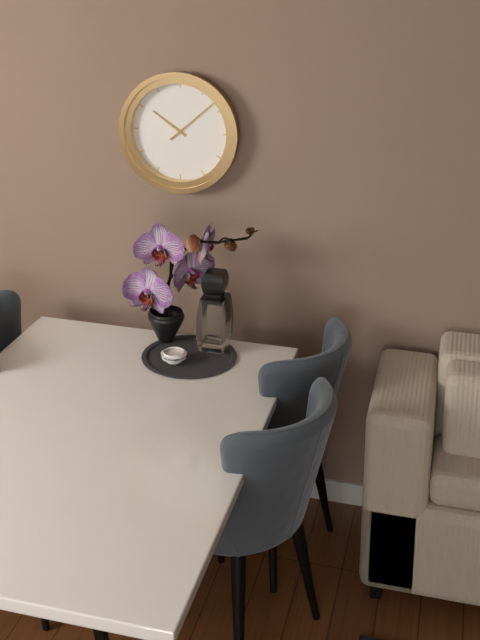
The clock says {"hour": 10, "minute": 8}
